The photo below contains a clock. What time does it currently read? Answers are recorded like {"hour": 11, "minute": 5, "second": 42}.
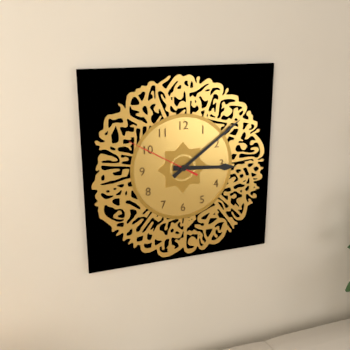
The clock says {"hour": 3, "minute": 9, "second": 50}
